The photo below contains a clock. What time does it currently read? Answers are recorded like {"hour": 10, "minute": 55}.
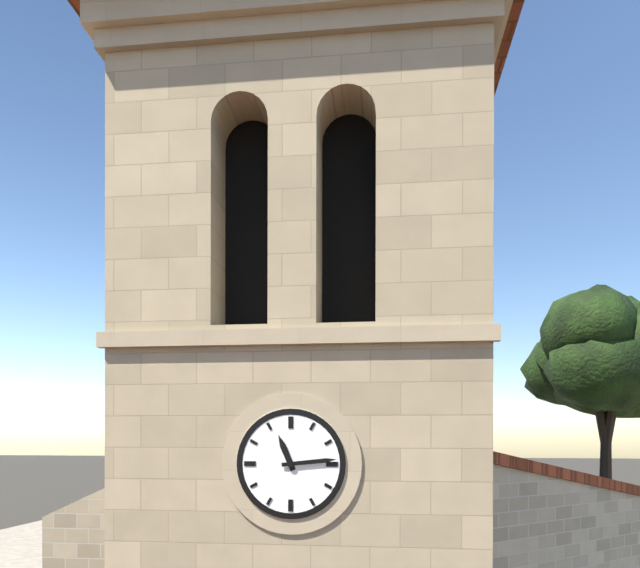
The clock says {"hour": 11, "minute": 14}
